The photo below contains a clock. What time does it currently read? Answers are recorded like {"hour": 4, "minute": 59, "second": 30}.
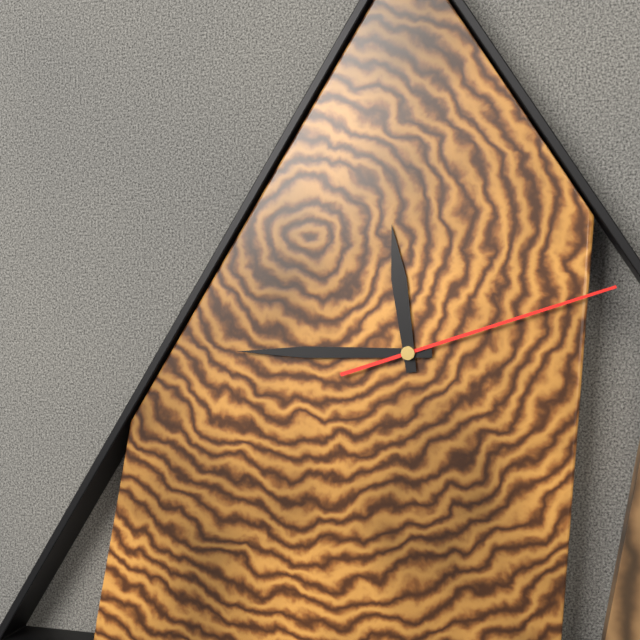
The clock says {"hour": 11, "minute": 45, "second": 12}
